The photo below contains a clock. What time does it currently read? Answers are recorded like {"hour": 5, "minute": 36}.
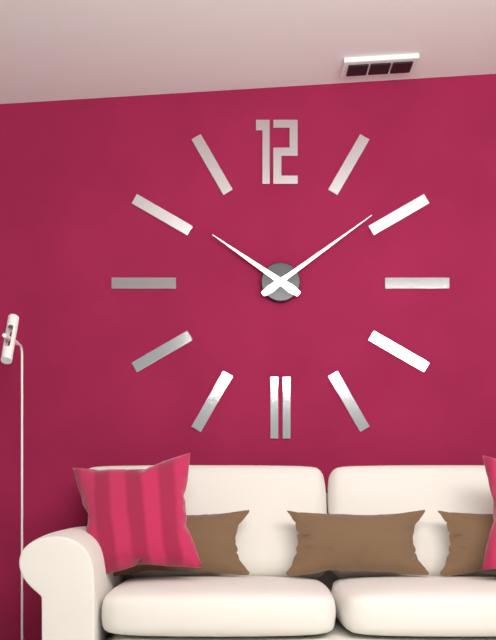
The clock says {"hour": 10, "minute": 9}
